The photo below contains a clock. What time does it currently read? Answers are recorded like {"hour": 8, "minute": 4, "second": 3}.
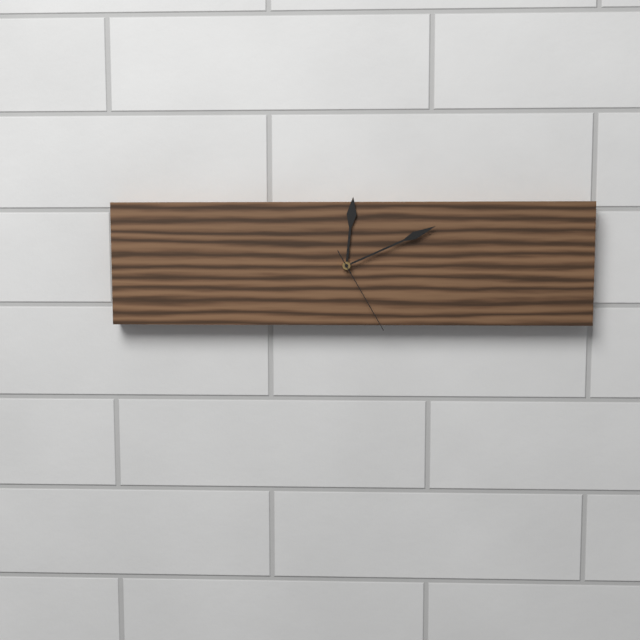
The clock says {"hour": 12, "minute": 11, "second": 25}
